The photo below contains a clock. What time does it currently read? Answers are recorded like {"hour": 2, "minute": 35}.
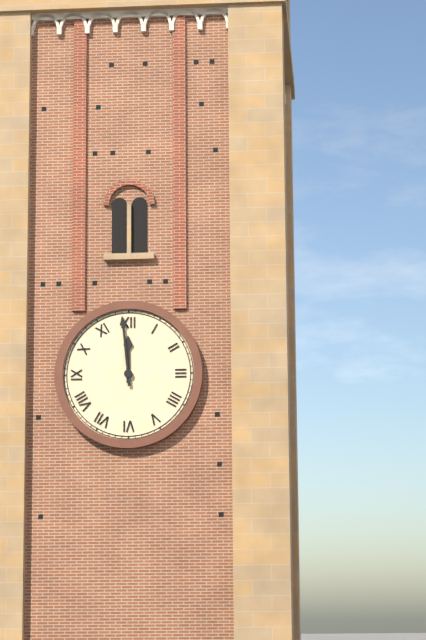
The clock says {"hour": 11, "minute": 59}
